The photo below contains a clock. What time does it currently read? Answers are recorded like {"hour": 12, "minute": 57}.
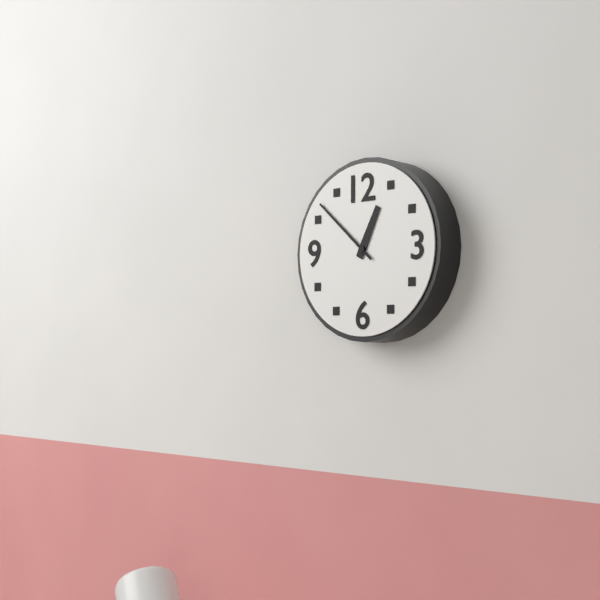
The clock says {"hour": 12, "minute": 52}
